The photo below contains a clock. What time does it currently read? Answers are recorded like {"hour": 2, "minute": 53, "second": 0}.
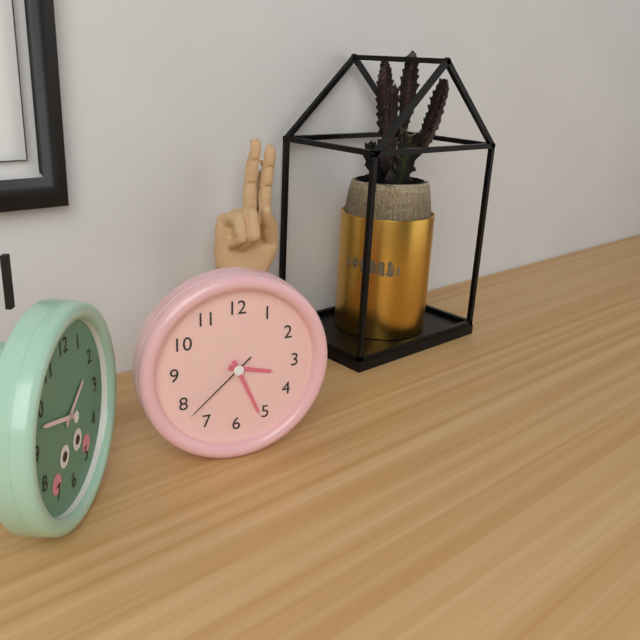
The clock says {"hour": 3, "minute": 26, "second": 38}
